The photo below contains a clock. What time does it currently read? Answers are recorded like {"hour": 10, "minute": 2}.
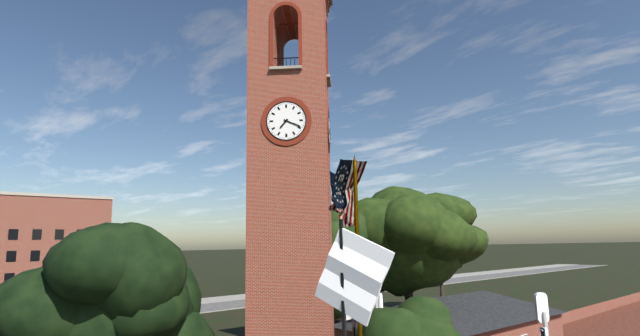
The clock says {"hour": 7, "minute": 19}
